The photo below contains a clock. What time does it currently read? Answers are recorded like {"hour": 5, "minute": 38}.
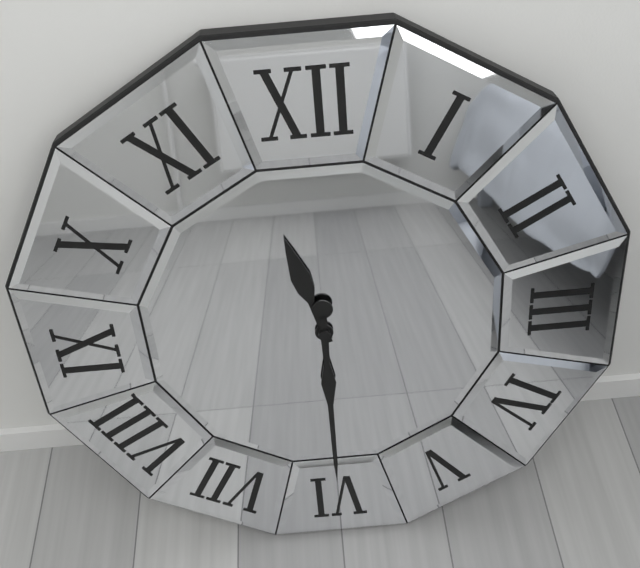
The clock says {"hour": 11, "minute": 30}
